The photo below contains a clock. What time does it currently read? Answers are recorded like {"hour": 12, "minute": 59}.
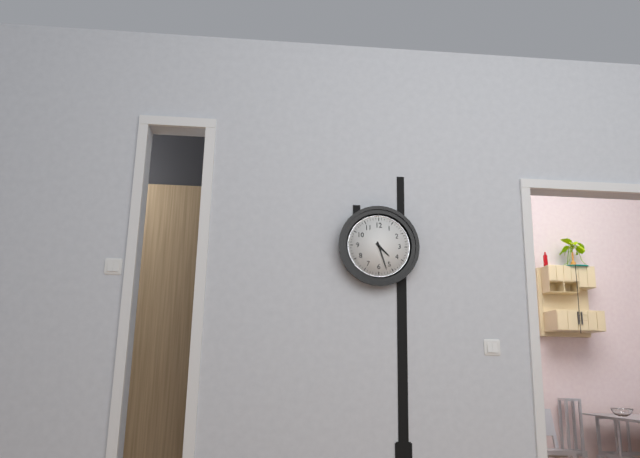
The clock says {"hour": 4, "minute": 27}
